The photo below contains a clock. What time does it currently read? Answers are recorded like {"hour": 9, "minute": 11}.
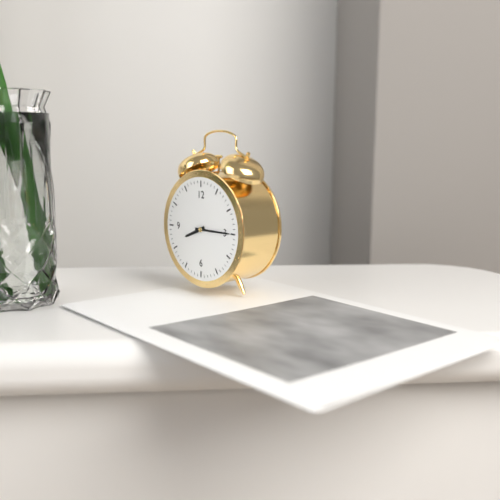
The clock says {"hour": 8, "minute": 15}
